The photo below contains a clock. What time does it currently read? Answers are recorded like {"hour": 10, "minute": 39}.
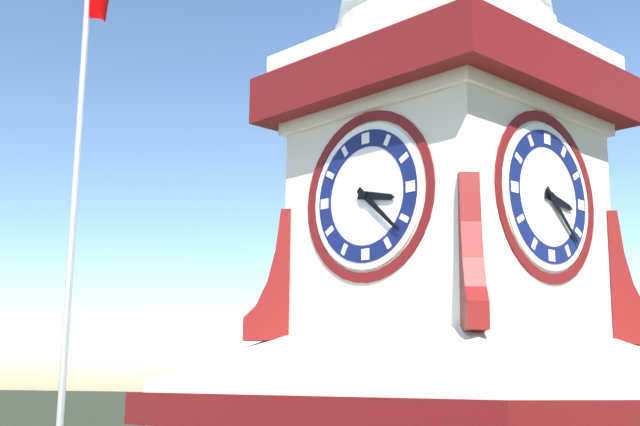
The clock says {"hour": 3, "minute": 22}
